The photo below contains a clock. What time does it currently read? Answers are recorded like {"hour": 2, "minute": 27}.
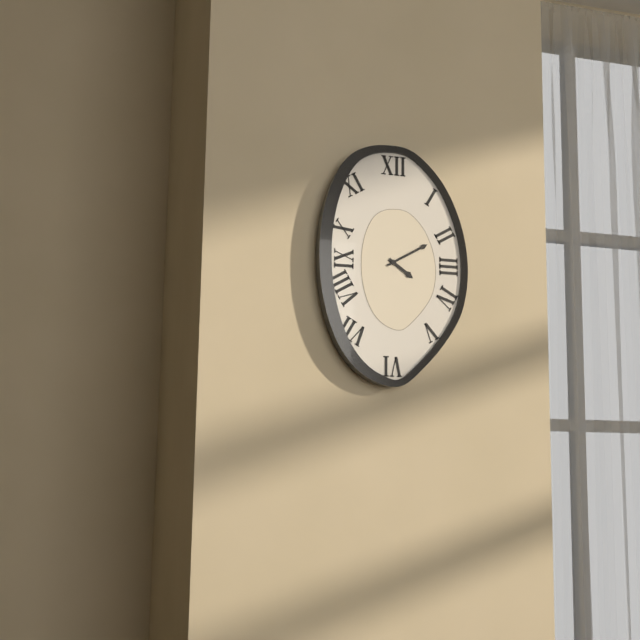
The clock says {"hour": 4, "minute": 10}
